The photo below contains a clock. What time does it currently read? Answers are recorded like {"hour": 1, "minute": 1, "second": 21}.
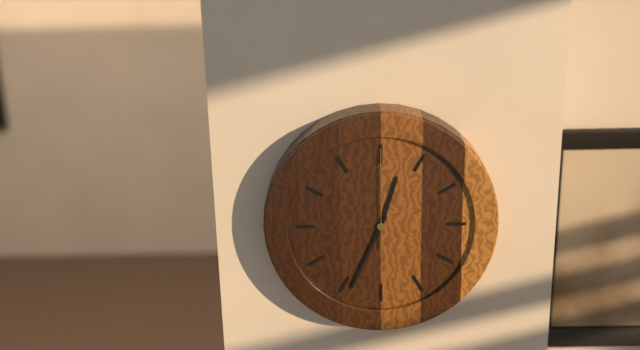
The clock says {"hour": 12, "minute": 34, "second": 0}
